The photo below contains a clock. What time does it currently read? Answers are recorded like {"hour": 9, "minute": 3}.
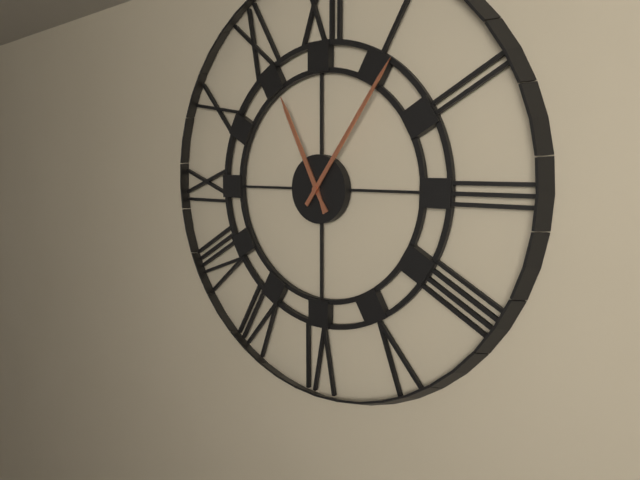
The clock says {"hour": 11, "minute": 6}
